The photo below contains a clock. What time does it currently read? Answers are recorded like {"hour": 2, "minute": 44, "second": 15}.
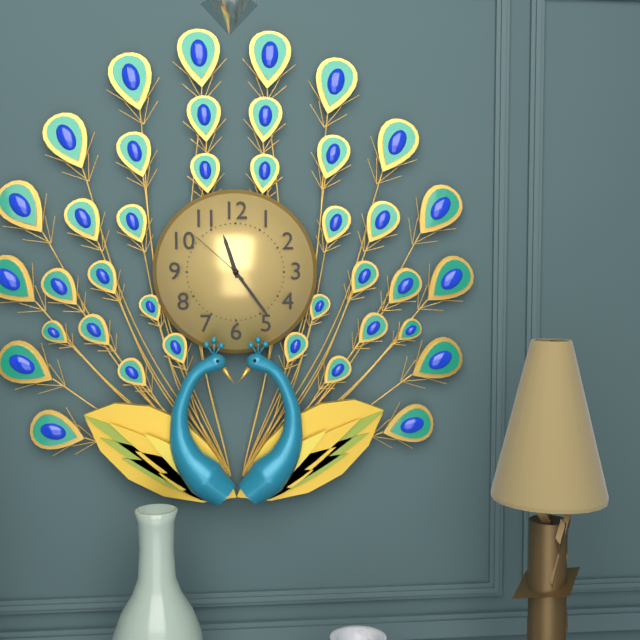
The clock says {"hour": 11, "minute": 24, "second": 52}
